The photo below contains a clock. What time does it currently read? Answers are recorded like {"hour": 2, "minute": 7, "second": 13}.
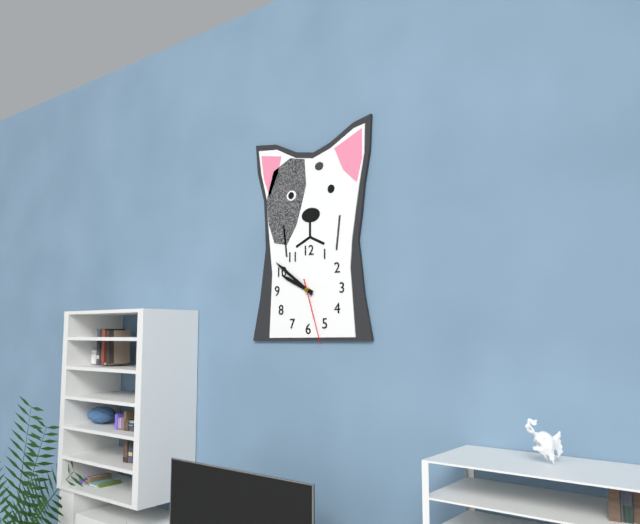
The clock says {"hour": 9, "minute": 51, "second": 27}
